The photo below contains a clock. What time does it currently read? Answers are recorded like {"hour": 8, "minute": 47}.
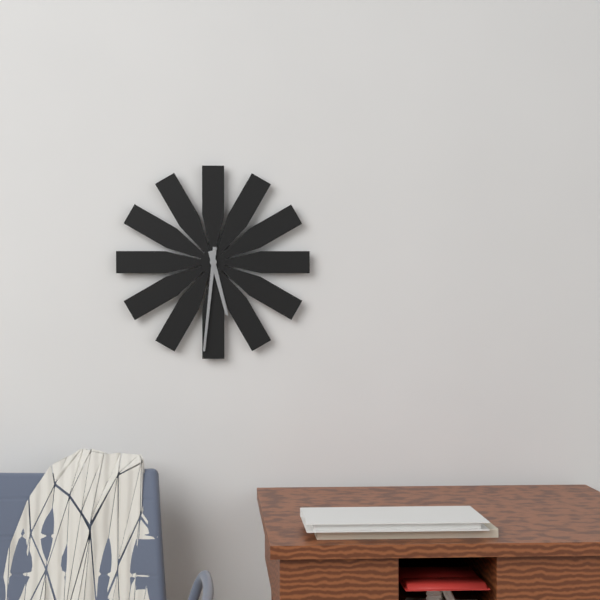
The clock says {"hour": 5, "minute": 31}
